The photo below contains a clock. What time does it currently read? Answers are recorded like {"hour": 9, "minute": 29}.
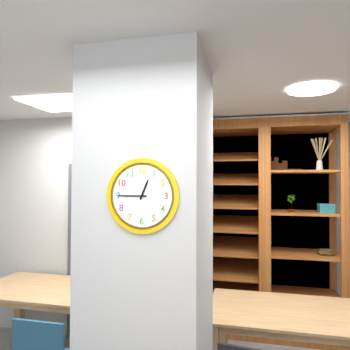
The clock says {"hour": 12, "minute": 45}
